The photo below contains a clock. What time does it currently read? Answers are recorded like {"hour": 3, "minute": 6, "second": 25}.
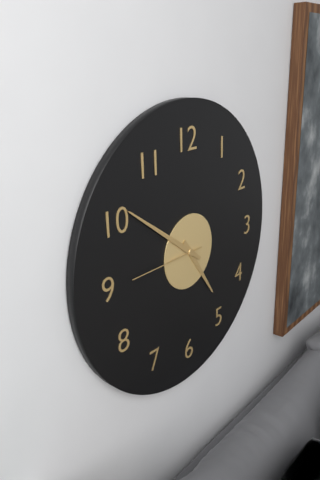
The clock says {"hour": 4, "minute": 51, "second": 45}
